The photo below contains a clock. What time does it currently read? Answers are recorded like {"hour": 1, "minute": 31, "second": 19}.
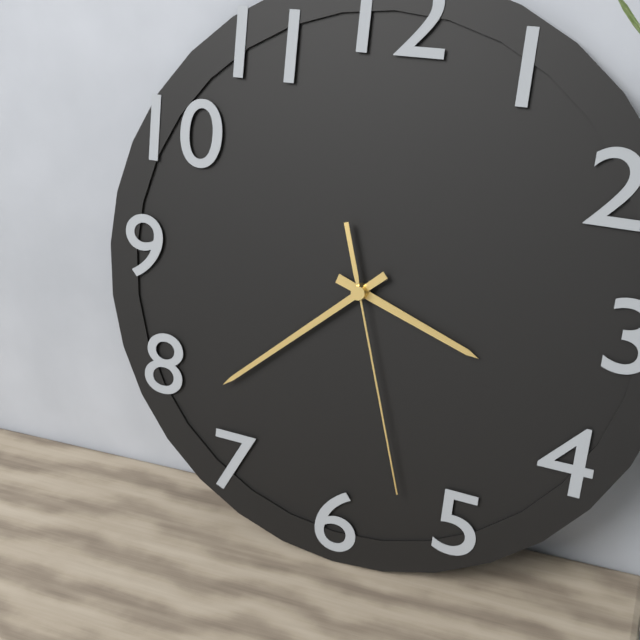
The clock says {"hour": 3, "minute": 38, "second": 27}
